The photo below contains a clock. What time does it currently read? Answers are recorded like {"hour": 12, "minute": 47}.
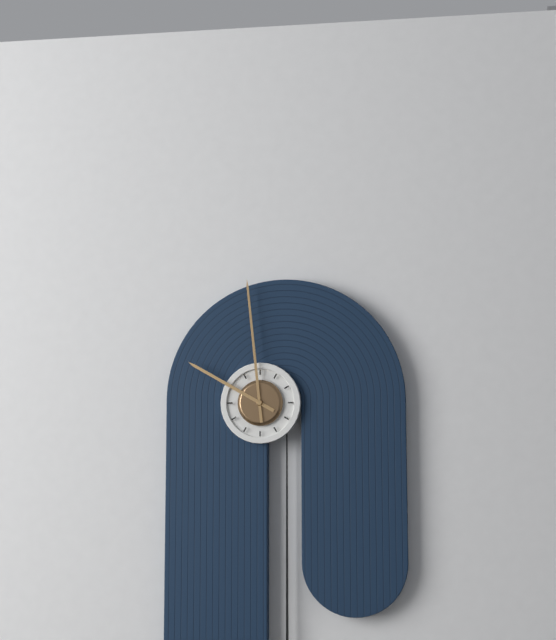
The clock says {"hour": 9, "minute": 59}
